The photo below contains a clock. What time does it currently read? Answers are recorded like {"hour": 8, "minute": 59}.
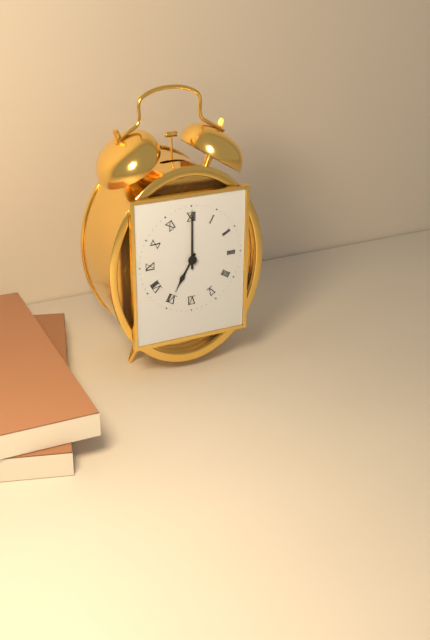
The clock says {"hour": 7, "minute": 0}
